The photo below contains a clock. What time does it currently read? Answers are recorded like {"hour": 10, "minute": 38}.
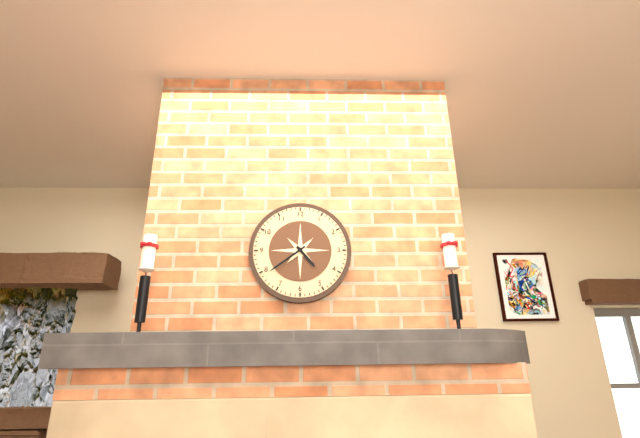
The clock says {"hour": 4, "minute": 39}
